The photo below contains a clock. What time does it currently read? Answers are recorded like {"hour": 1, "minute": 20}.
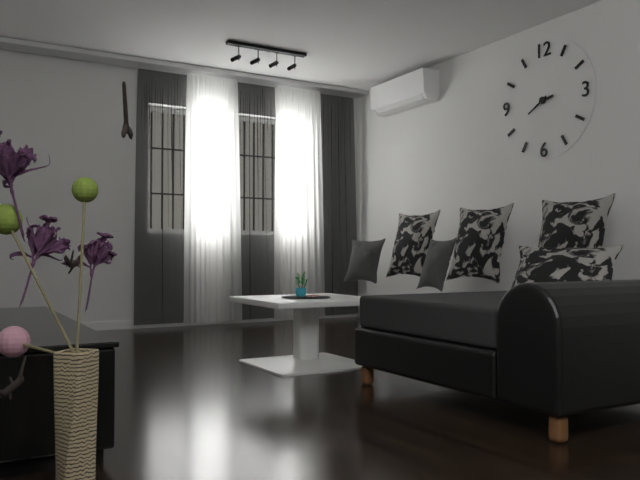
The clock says {"hour": 2, "minute": 40}
